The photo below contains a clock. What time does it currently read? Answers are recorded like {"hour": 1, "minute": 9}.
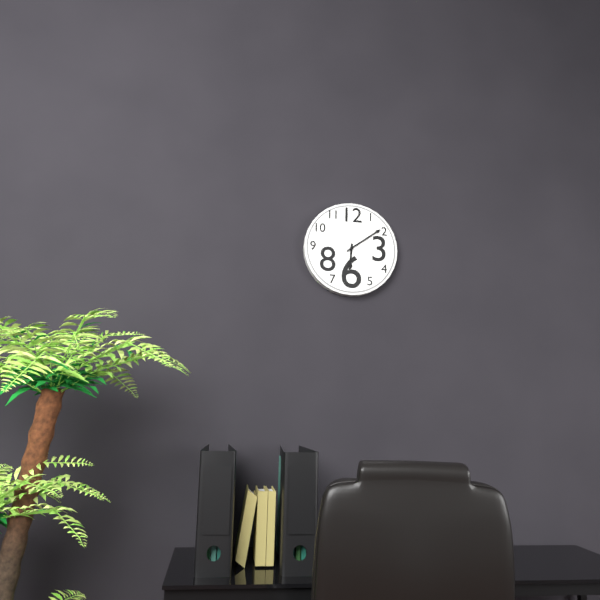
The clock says {"hour": 6, "minute": 9}
